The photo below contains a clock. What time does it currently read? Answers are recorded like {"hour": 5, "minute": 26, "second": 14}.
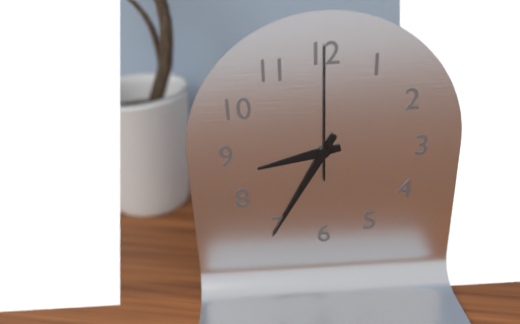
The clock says {"hour": 8, "minute": 35, "second": 0}
